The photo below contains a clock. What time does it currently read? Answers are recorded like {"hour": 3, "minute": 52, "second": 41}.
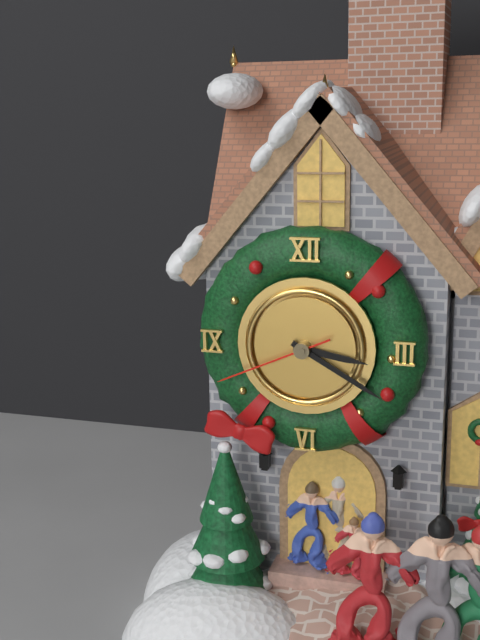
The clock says {"hour": 3, "minute": 20, "second": 41}
